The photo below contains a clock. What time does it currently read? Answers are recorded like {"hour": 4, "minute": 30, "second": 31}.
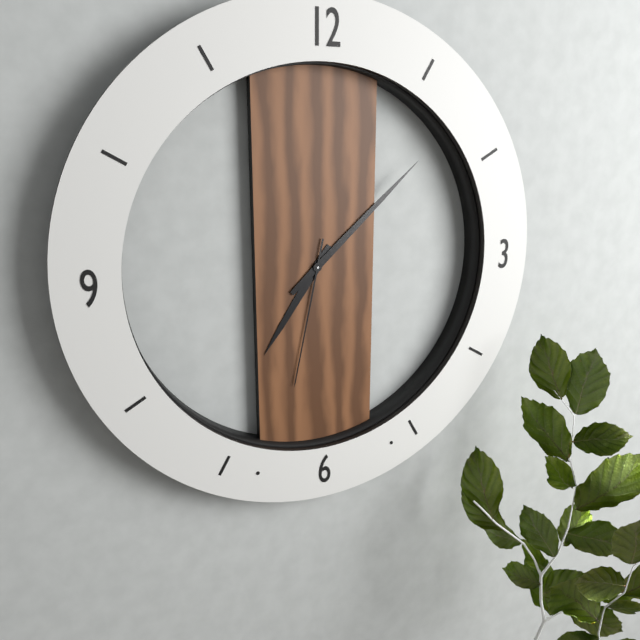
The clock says {"hour": 7, "minute": 8, "second": 32}
